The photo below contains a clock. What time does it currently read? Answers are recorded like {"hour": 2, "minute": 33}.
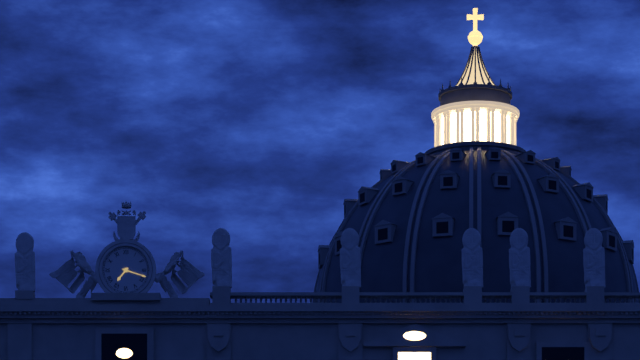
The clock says {"hour": 7, "minute": 18}
